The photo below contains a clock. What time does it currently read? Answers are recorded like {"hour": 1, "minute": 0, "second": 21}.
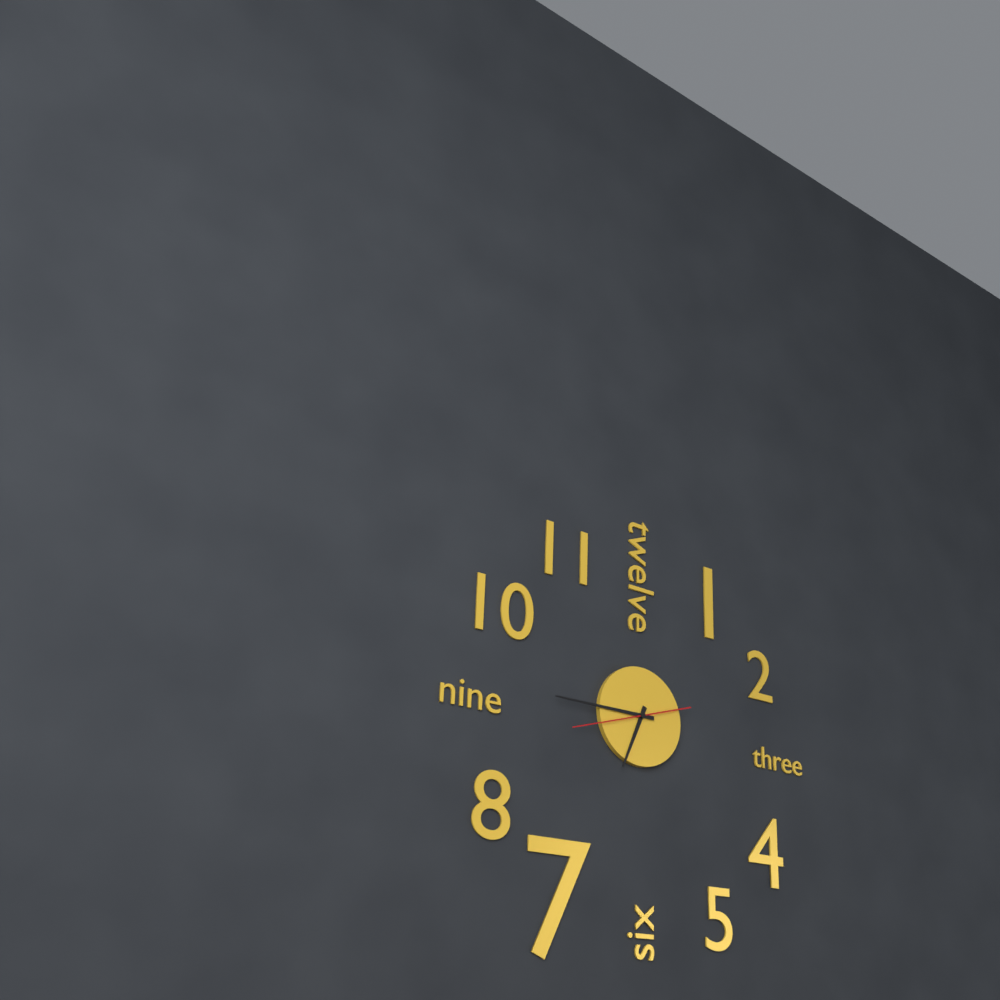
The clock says {"hour": 6, "minute": 45, "second": 42}
